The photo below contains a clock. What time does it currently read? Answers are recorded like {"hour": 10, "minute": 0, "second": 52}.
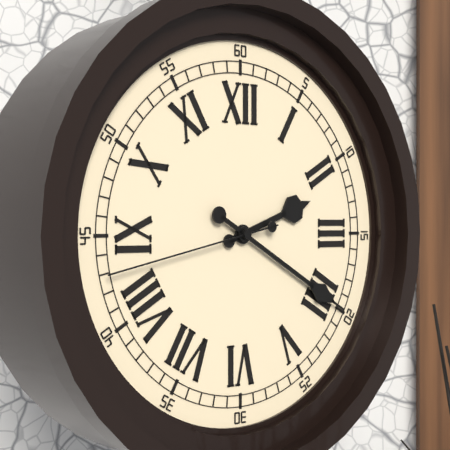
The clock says {"hour": 2, "minute": 20, "second": 43}
